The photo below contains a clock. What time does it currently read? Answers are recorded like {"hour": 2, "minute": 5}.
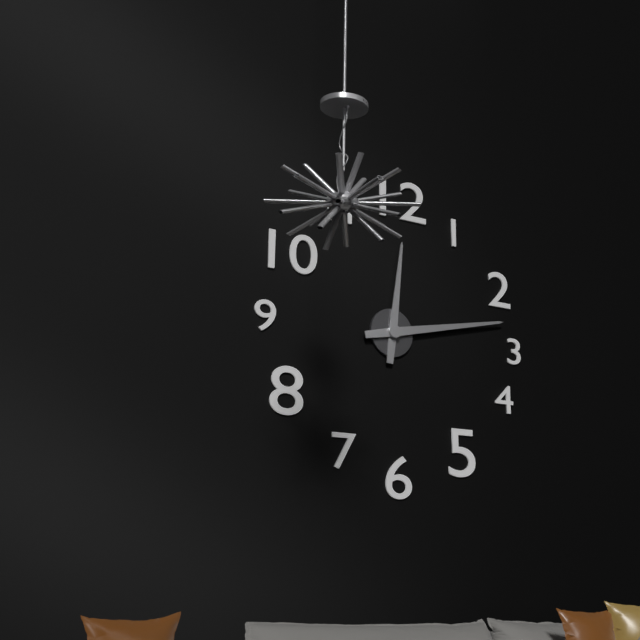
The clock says {"hour": 12, "minute": 13}
